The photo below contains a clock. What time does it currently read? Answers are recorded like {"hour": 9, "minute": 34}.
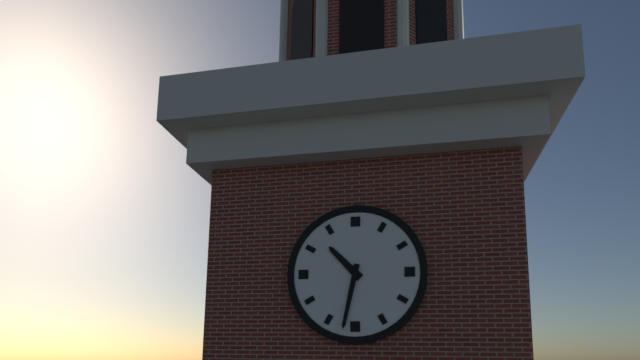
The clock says {"hour": 10, "minute": 32}
